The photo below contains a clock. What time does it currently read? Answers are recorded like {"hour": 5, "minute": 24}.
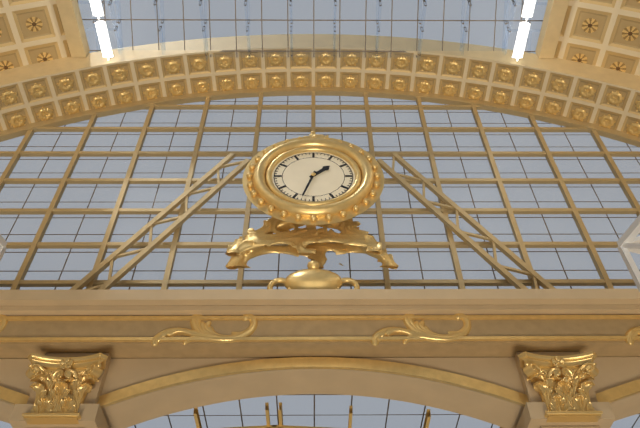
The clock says {"hour": 1, "minute": 33}
